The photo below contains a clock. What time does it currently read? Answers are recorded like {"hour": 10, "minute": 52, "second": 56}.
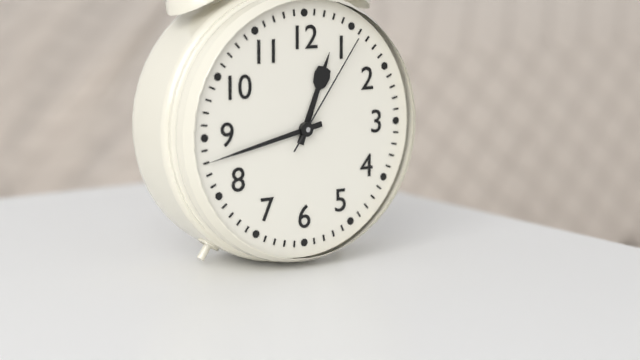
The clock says {"hour": 12, "minute": 43, "second": 6}
